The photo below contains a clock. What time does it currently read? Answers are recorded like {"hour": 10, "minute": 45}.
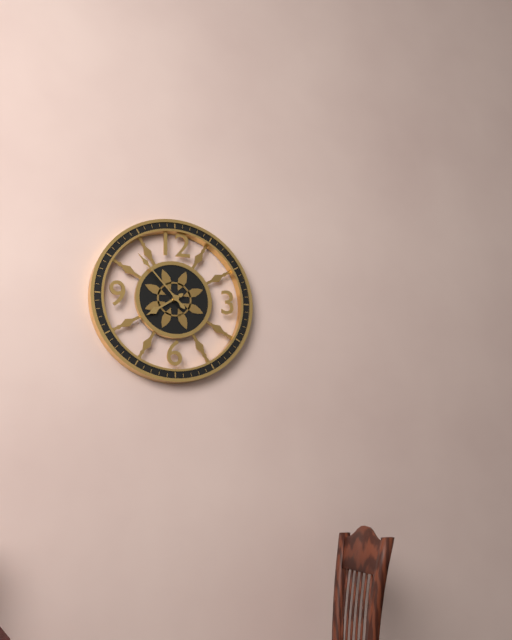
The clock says {"hour": 7, "minute": 53}
